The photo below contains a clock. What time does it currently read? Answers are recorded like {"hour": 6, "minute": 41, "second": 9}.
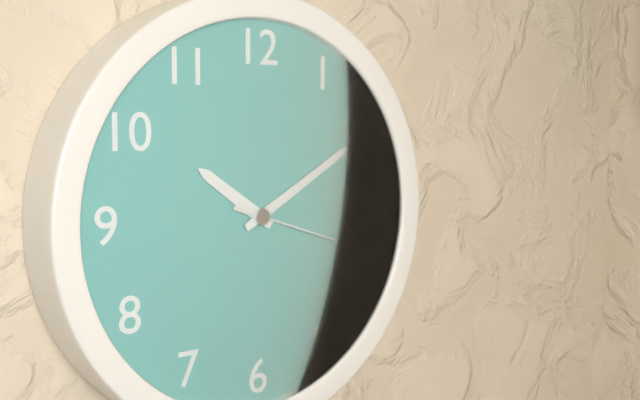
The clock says {"hour": 10, "minute": 10, "second": 18}
